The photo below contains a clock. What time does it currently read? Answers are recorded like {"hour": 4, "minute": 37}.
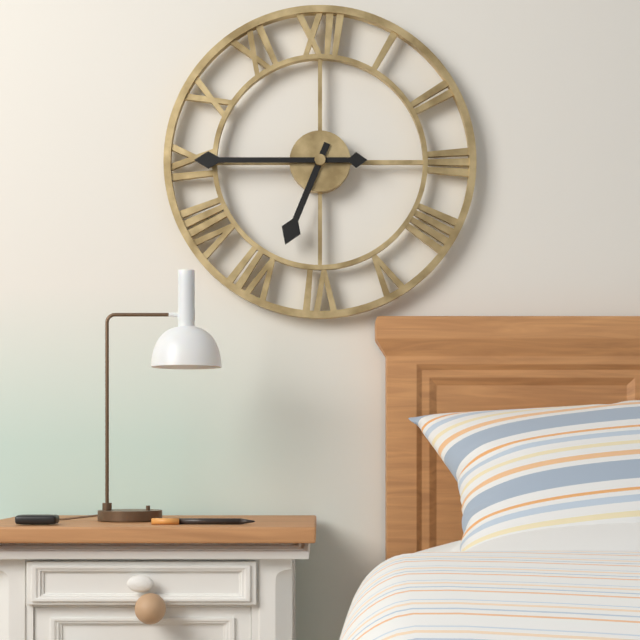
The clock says {"hour": 6, "minute": 45}
